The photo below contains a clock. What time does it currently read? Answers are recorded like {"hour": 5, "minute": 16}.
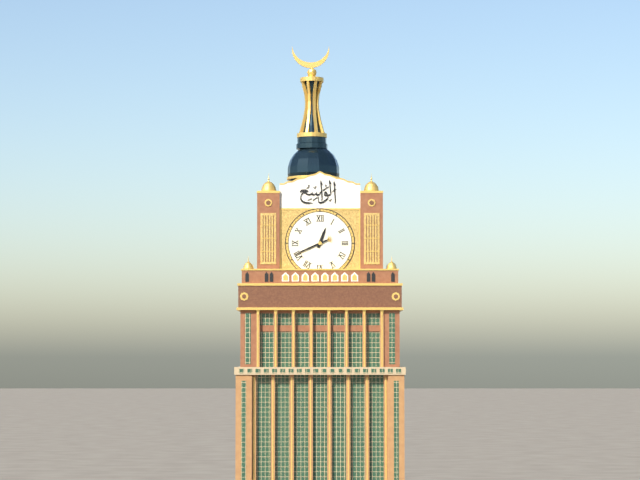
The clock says {"hour": 12, "minute": 41}
